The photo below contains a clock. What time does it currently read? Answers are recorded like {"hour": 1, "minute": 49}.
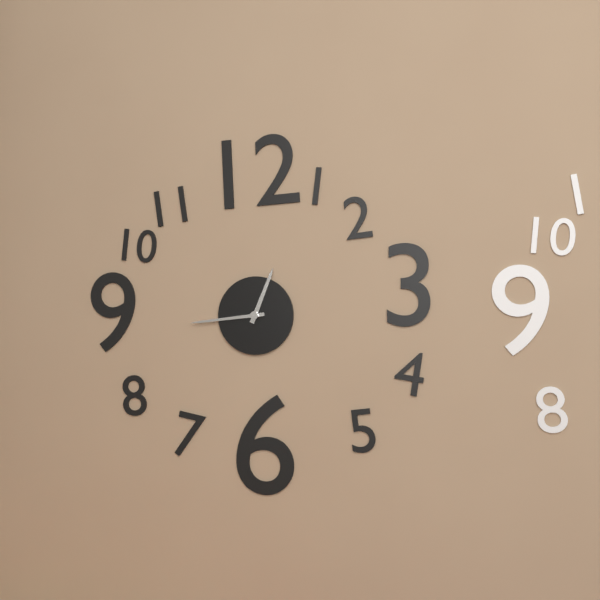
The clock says {"hour": 12, "minute": 44}
